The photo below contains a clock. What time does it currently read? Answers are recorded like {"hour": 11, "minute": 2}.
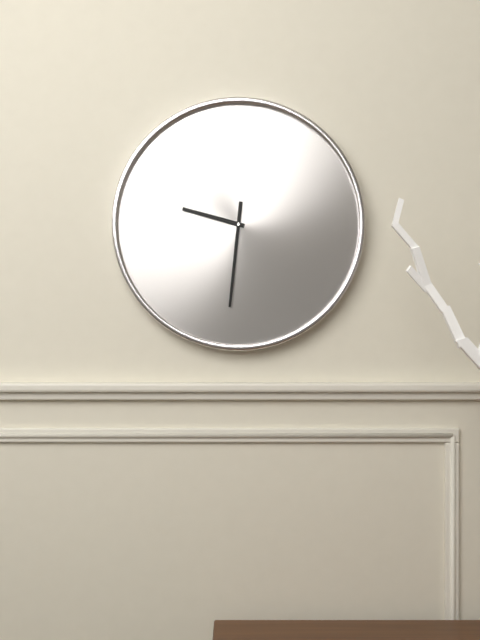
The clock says {"hour": 9, "minute": 31}
